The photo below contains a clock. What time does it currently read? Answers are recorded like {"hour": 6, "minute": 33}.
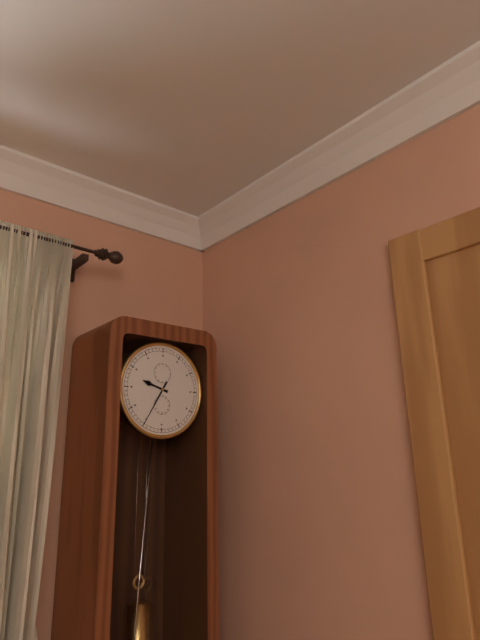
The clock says {"hour": 9, "minute": 35}
